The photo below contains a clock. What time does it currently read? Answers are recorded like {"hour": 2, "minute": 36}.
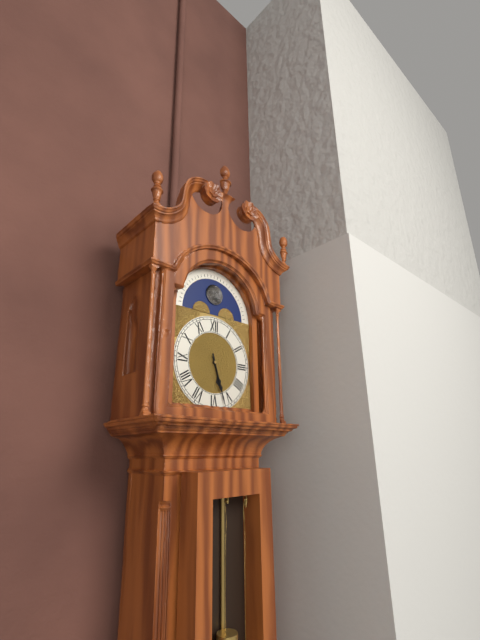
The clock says {"hour": 5, "minute": 27}
